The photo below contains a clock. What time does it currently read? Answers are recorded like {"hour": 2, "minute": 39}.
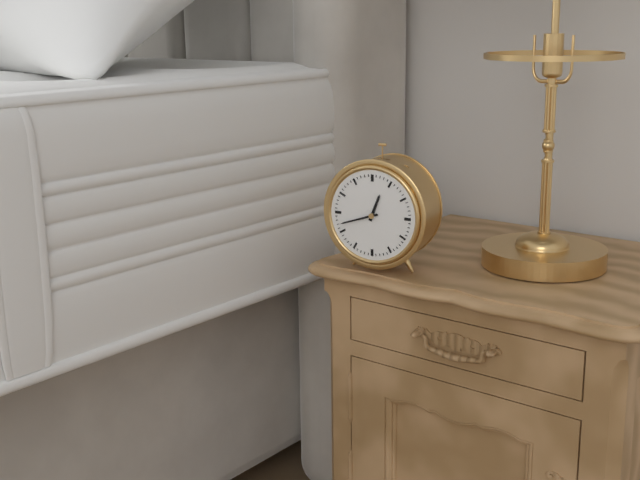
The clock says {"hour": 12, "minute": 42}
